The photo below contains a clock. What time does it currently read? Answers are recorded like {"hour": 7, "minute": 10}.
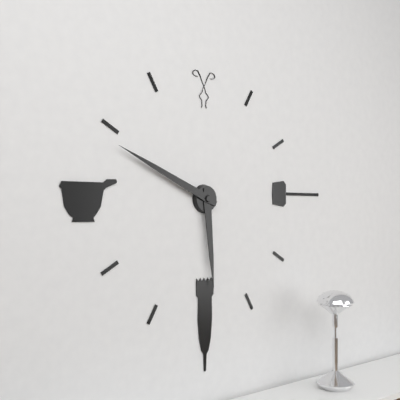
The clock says {"hour": 5, "minute": 49}
